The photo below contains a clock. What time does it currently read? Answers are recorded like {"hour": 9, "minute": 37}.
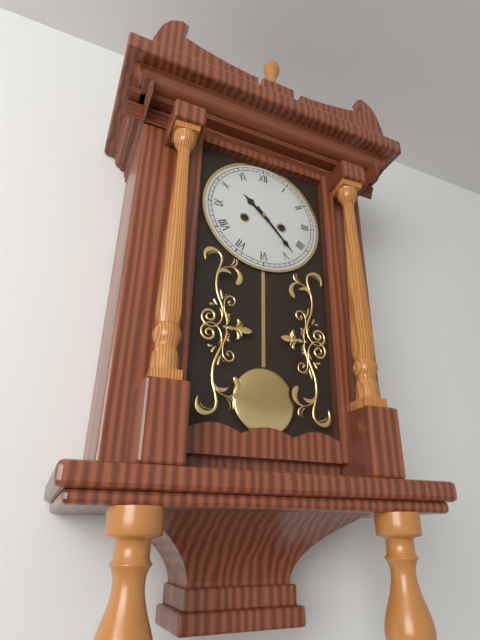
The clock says {"hour": 10, "minute": 23}
